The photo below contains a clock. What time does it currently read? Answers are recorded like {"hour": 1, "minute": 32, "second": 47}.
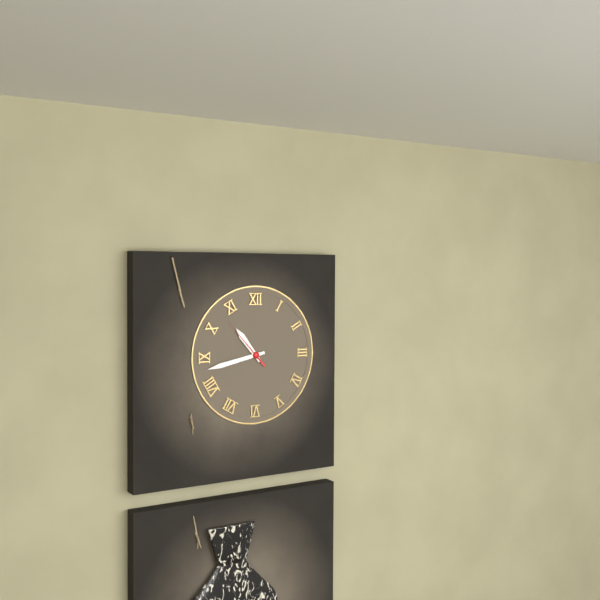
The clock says {"hour": 10, "minute": 43, "second": 53}
